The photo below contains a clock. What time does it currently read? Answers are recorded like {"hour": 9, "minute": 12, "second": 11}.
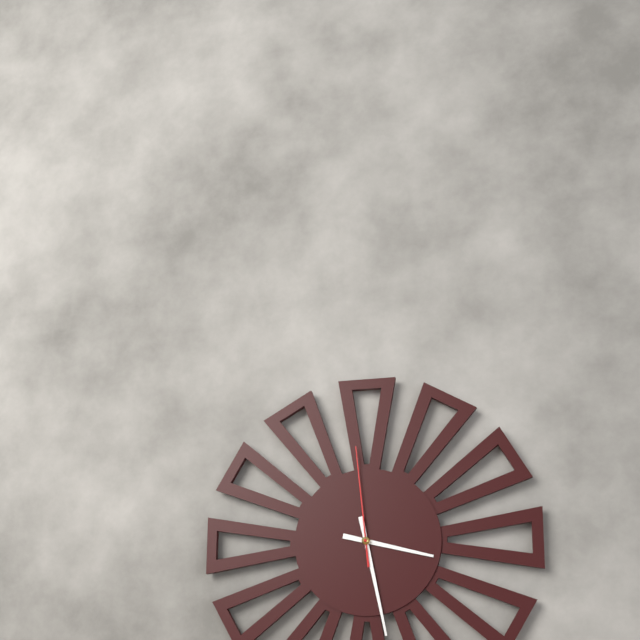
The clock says {"hour": 3, "minute": 28, "second": 59}
